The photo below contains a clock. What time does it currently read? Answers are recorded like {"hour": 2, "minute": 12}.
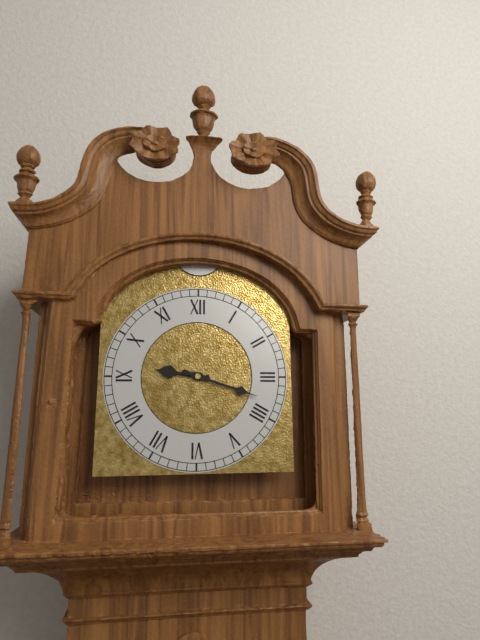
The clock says {"hour": 9, "minute": 18}
